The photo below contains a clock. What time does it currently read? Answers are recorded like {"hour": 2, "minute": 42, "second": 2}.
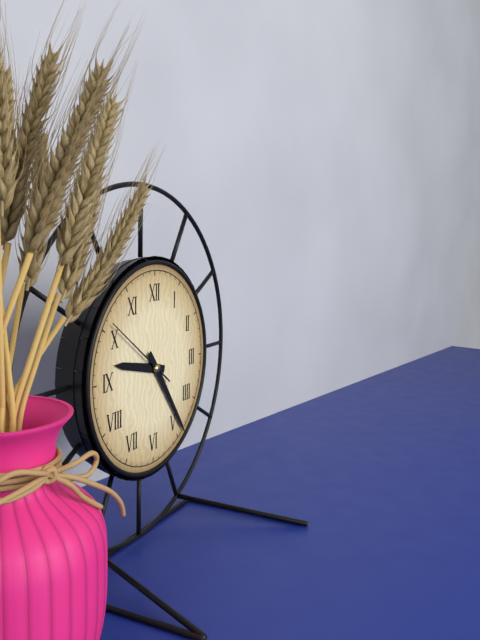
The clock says {"hour": 9, "minute": 24, "second": 51}
